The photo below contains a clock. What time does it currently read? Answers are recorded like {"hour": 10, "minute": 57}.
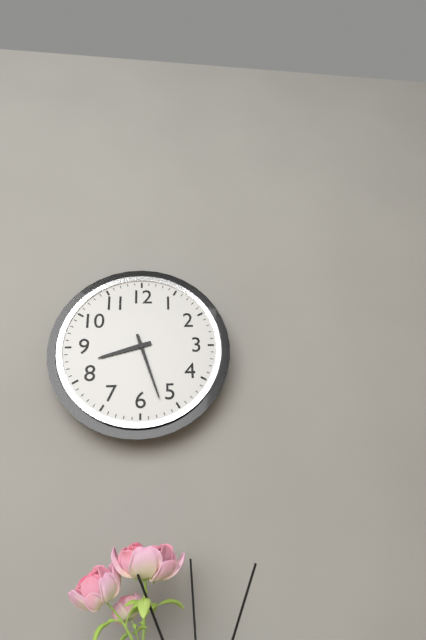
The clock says {"hour": 8, "minute": 27}
